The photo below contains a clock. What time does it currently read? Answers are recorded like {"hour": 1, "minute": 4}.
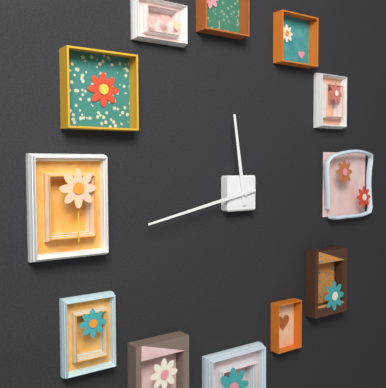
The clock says {"hour": 11, "minute": 43}
